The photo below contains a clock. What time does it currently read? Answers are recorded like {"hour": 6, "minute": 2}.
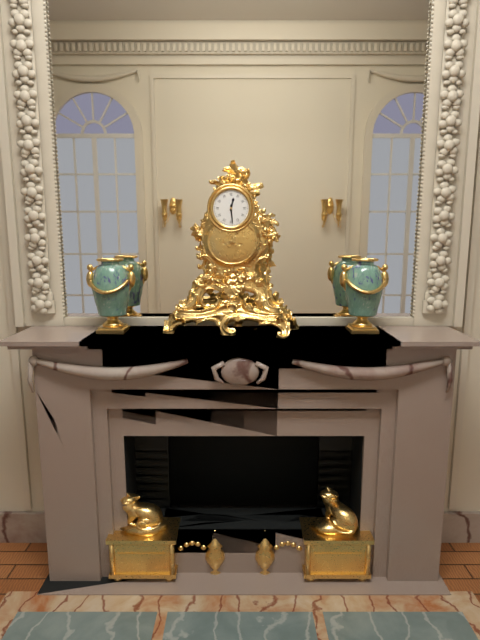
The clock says {"hour": 12, "minute": 29}
